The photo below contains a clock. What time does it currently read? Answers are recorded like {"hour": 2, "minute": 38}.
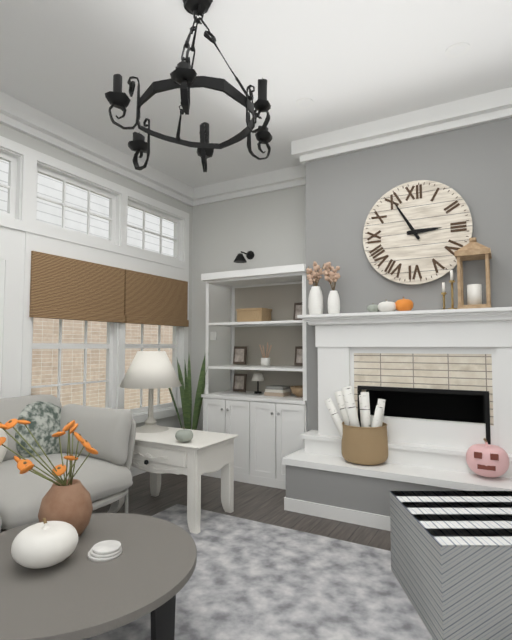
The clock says {"hour": 2, "minute": 55}
